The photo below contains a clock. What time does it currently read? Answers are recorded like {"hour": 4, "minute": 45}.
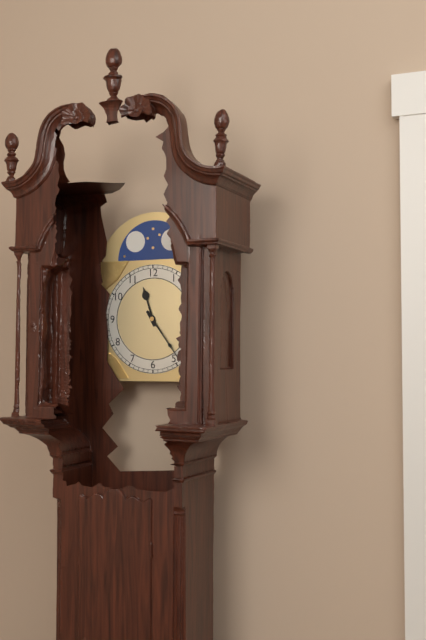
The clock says {"hour": 11, "minute": 24}
